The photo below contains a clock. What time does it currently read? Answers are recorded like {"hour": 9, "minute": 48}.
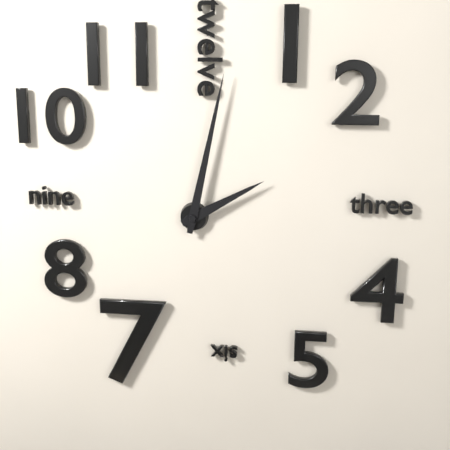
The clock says {"hour": 2, "minute": 2}
